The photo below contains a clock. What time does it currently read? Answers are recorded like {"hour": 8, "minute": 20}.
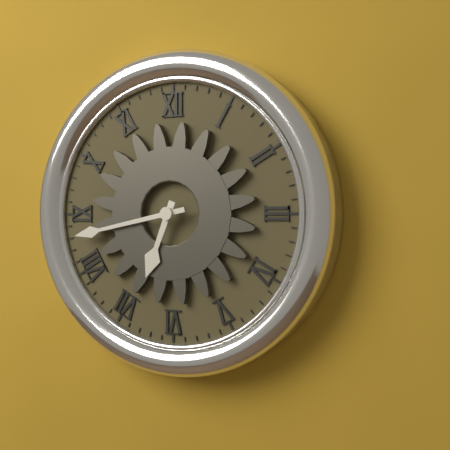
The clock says {"hour": 6, "minute": 43}
